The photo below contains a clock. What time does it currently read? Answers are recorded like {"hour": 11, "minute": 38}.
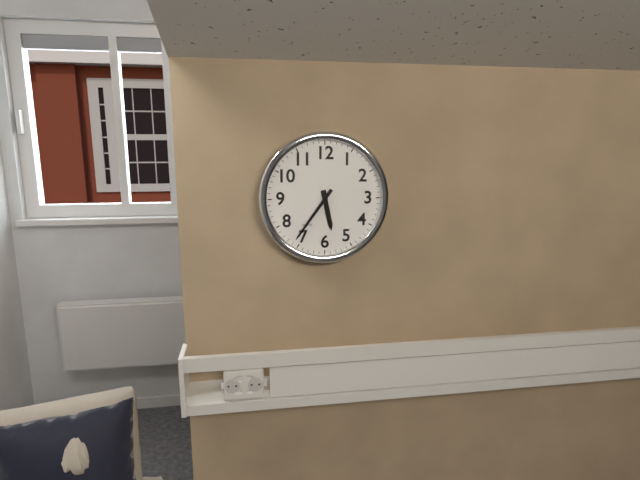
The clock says {"hour": 5, "minute": 36}
